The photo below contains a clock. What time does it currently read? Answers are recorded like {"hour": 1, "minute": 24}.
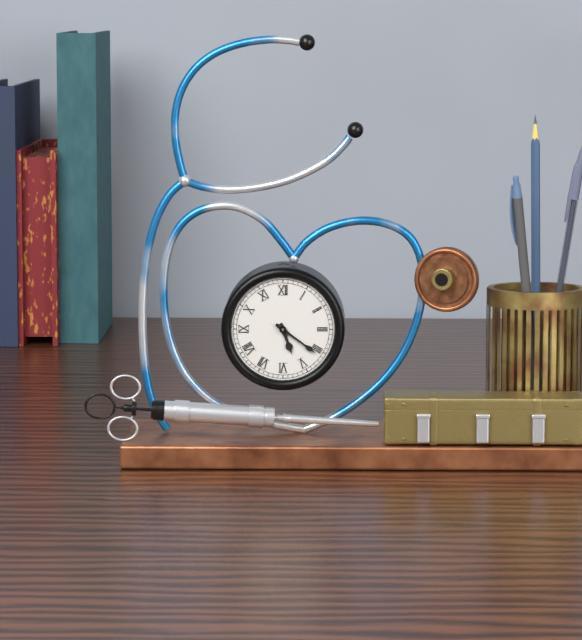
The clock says {"hour": 5, "minute": 21}
